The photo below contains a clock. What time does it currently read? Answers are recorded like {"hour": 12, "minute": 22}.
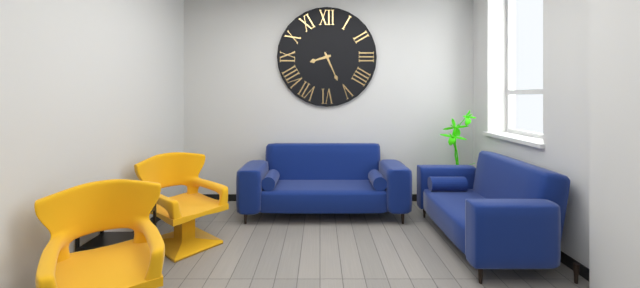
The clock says {"hour": 8, "minute": 26}
